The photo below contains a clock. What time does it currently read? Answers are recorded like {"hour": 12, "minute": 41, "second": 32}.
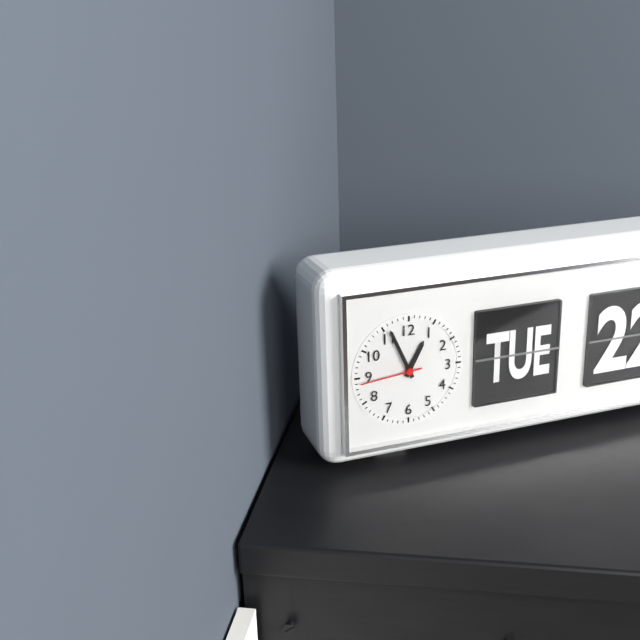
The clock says {"hour": 12, "minute": 56, "second": 44}
